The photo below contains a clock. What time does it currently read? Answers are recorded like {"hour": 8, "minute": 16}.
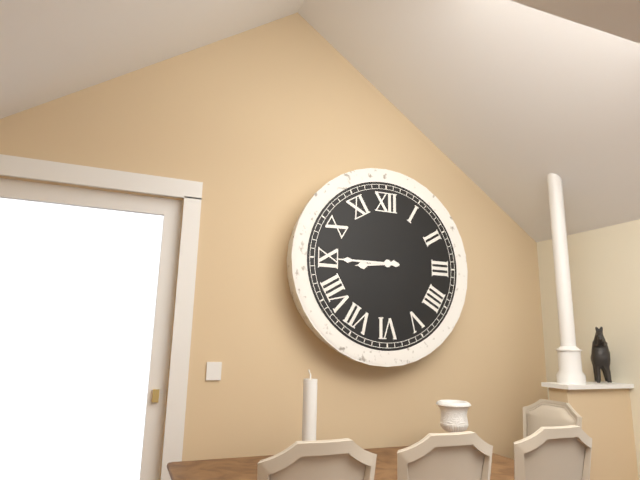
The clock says {"hour": 8, "minute": 45}
